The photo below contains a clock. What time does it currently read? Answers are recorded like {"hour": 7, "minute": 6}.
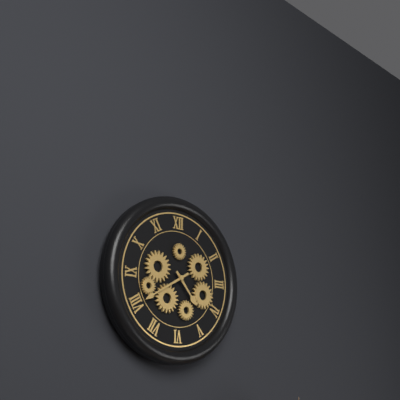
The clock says {"hour": 4, "minute": 40}
